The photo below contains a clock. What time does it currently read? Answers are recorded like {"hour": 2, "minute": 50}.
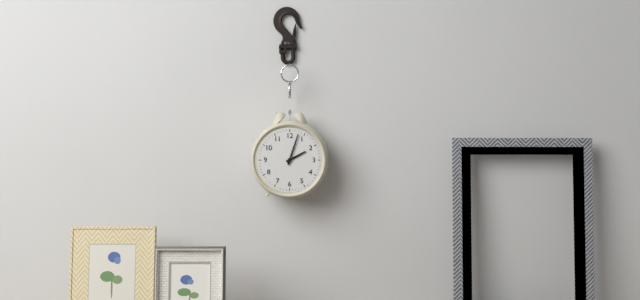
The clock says {"hour": 2, "minute": 3}
